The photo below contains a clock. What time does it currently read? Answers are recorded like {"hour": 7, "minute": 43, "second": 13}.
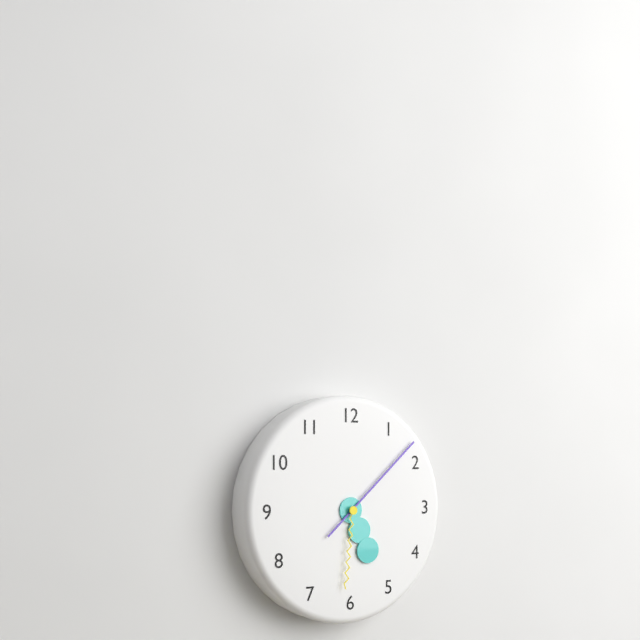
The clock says {"hour": 5, "minute": 8, "second": 31}
